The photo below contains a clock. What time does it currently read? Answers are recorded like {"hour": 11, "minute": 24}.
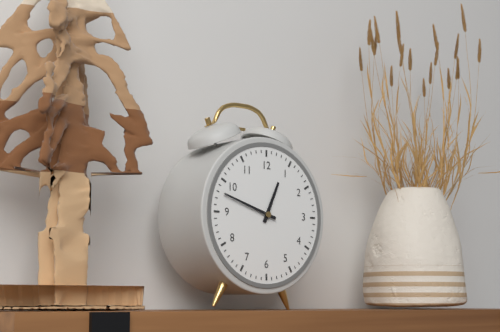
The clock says {"hour": 12, "minute": 48}
